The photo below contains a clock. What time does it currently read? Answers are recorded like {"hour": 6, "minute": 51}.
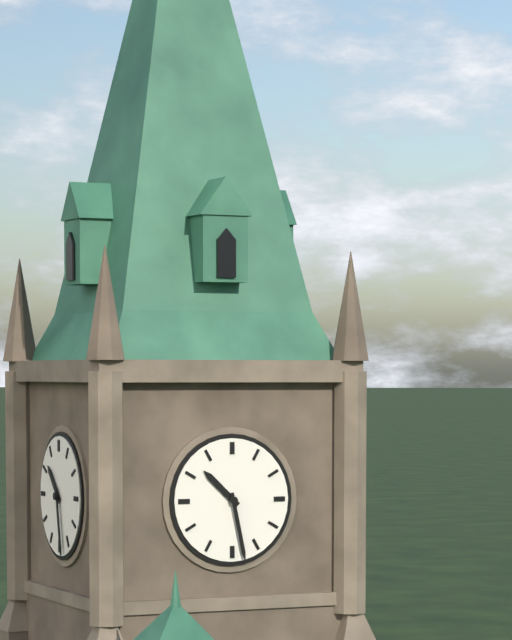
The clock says {"hour": 10, "minute": 28}
